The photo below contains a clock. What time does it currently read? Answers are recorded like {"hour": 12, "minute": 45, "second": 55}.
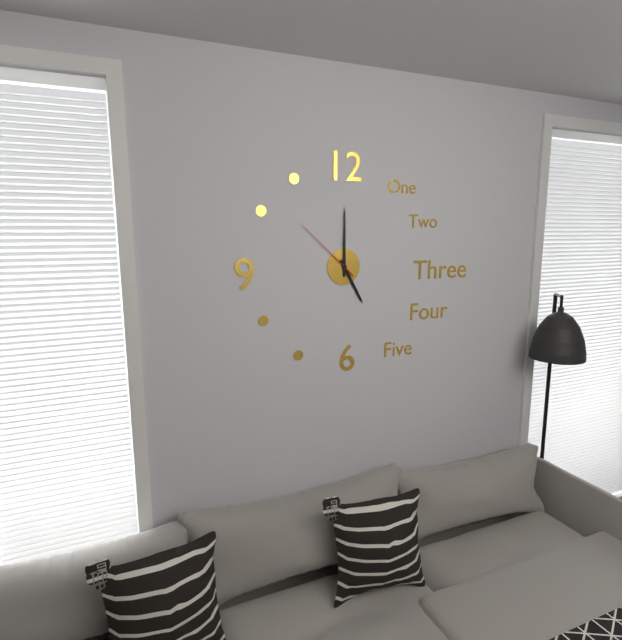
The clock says {"hour": 5, "minute": 0, "second": 52}
